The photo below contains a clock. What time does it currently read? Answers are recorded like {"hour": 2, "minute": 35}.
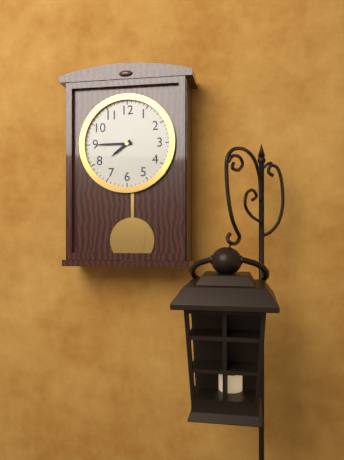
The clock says {"hour": 7, "minute": 45}
